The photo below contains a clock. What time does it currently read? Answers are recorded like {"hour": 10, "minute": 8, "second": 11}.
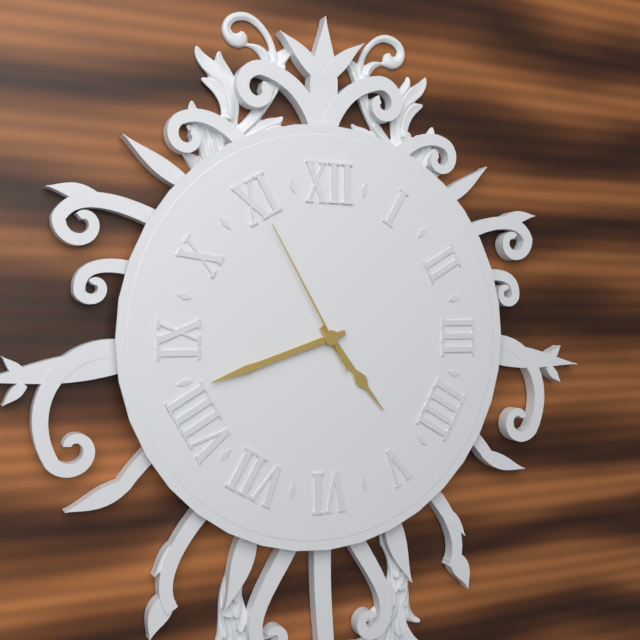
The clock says {"hour": 4, "minute": 42, "second": 55}
